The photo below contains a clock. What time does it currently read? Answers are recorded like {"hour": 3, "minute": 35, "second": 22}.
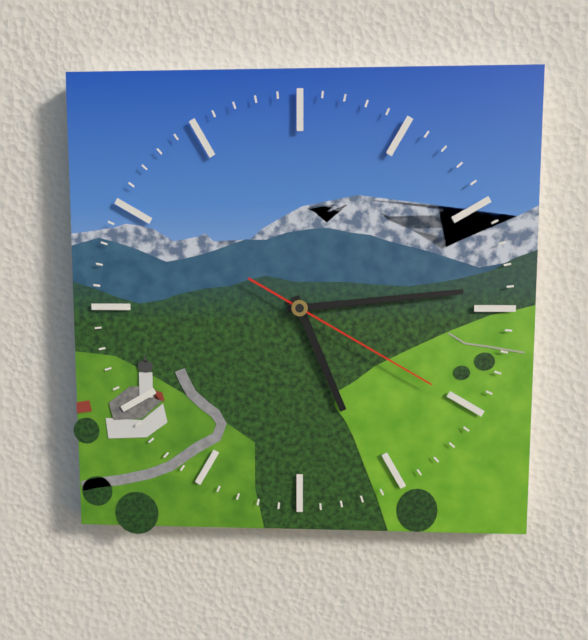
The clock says {"hour": 5, "minute": 14, "second": 20}
